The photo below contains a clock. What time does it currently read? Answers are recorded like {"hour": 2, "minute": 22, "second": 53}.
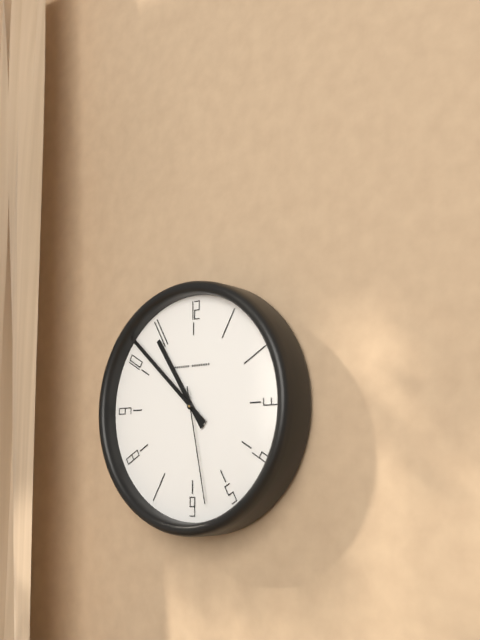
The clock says {"hour": 10, "minute": 52, "second": 28}
